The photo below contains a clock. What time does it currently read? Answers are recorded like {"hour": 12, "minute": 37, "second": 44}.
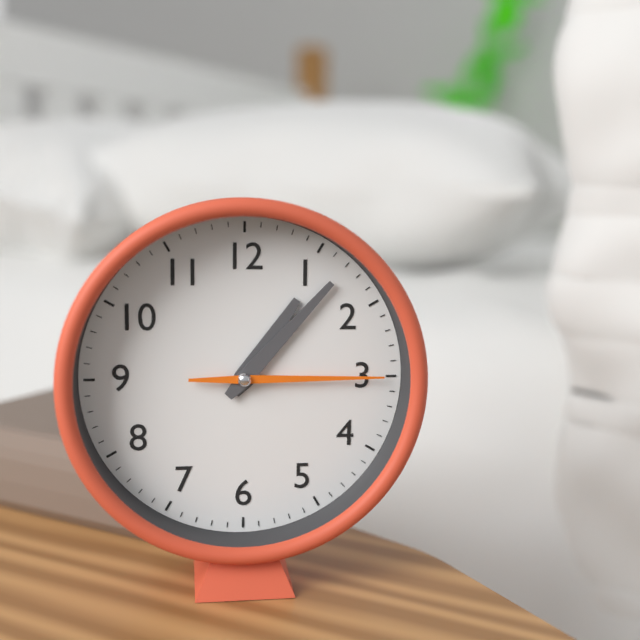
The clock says {"hour": 1, "minute": 7, "second": 15}
